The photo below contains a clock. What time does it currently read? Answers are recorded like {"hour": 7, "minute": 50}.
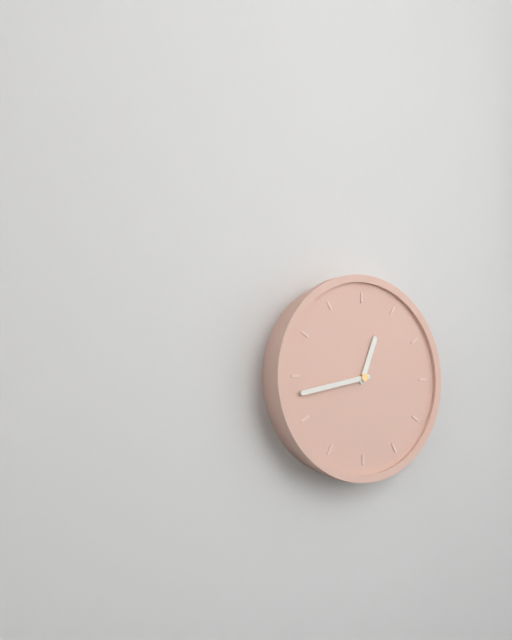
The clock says {"hour": 12, "minute": 43}
